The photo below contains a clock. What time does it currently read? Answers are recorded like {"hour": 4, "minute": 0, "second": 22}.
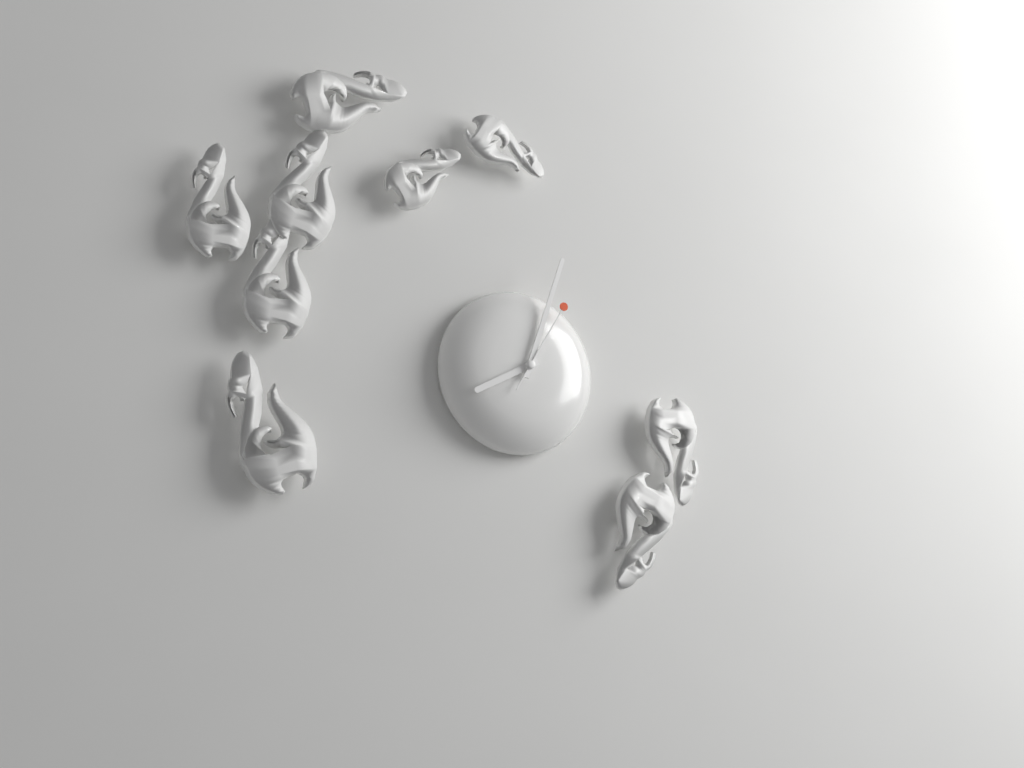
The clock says {"hour": 8, "minute": 3, "second": 5}
